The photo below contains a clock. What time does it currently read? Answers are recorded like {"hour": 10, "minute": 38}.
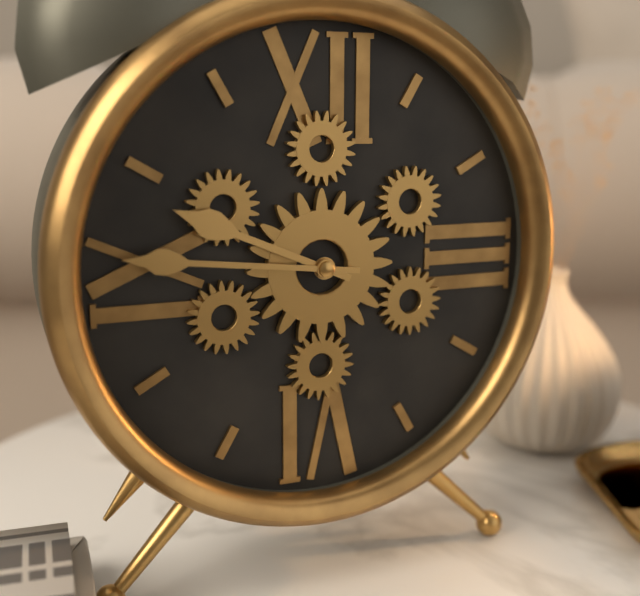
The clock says {"hour": 9, "minute": 46}
